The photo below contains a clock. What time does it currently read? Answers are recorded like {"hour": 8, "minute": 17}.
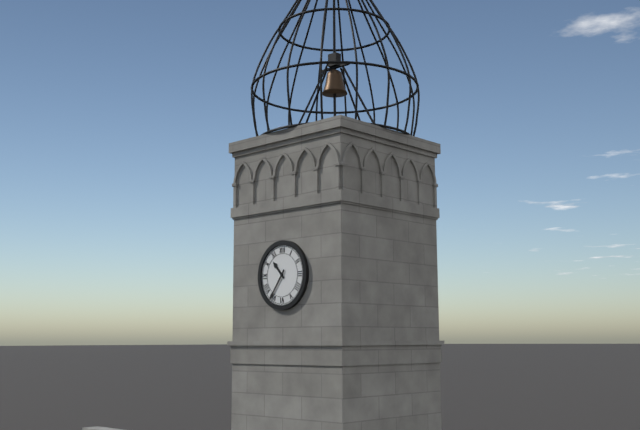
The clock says {"hour": 10, "minute": 36}
